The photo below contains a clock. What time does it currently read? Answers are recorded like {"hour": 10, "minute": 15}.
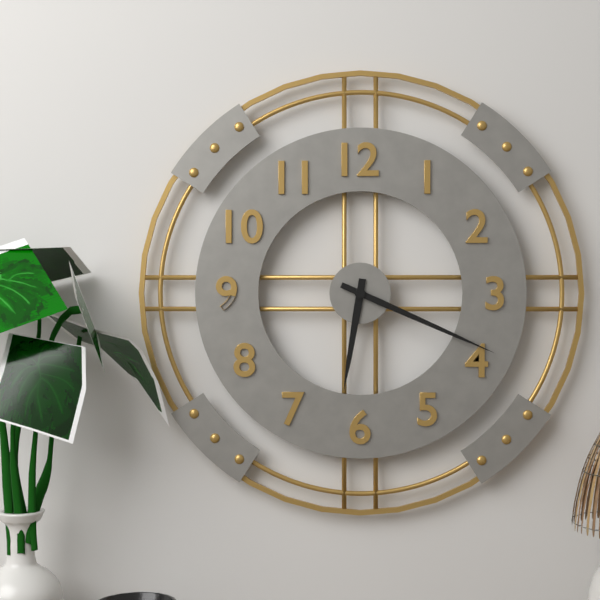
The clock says {"hour": 6, "minute": 19}
